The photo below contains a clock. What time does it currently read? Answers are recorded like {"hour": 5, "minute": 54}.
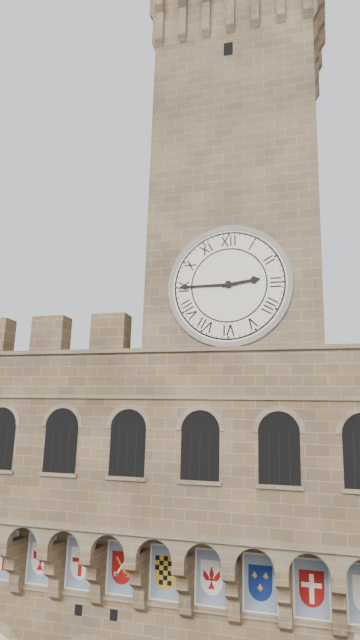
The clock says {"hour": 2, "minute": 45}
